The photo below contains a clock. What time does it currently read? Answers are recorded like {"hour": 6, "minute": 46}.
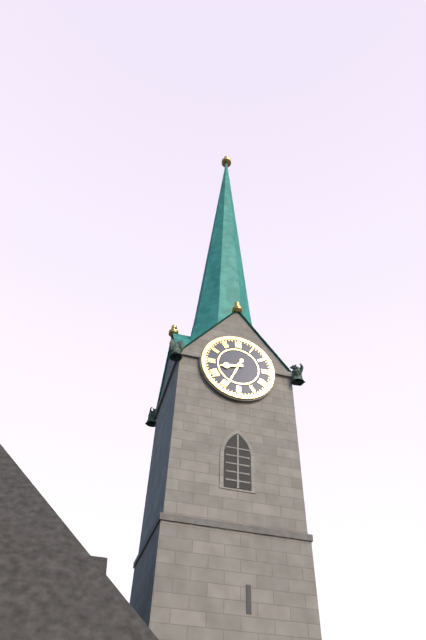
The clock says {"hour": 8, "minute": 34}
